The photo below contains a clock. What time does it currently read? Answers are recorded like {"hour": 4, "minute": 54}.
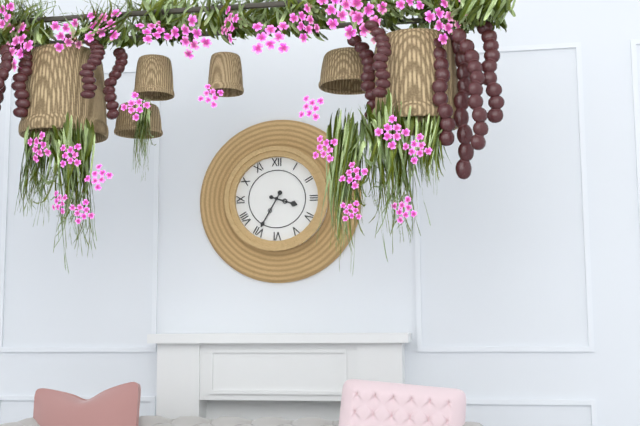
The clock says {"hour": 3, "minute": 35}
